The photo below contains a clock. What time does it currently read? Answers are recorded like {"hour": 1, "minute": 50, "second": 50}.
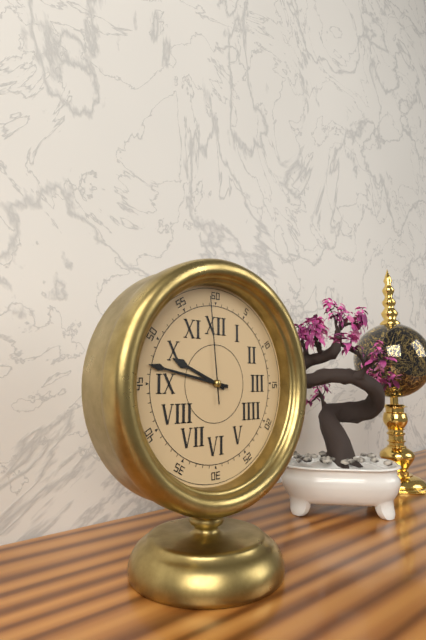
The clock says {"hour": 9, "minute": 47, "second": 59}
